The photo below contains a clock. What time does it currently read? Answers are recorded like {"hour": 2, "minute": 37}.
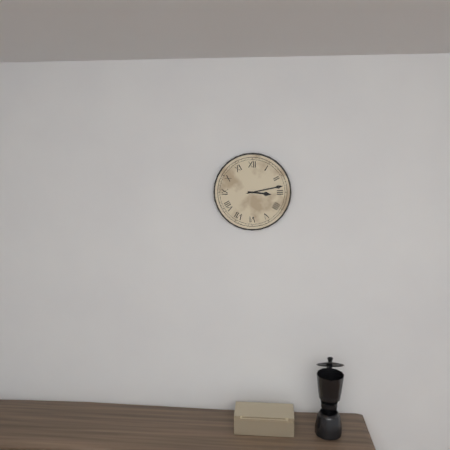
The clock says {"hour": 3, "minute": 13}
